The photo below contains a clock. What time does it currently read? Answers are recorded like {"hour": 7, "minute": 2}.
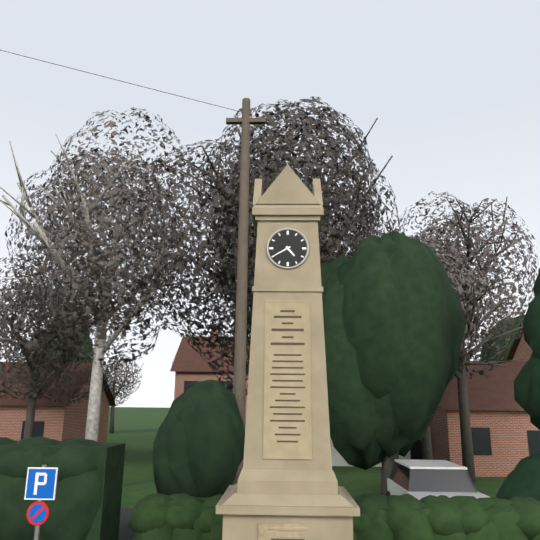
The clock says {"hour": 4, "minute": 40}
